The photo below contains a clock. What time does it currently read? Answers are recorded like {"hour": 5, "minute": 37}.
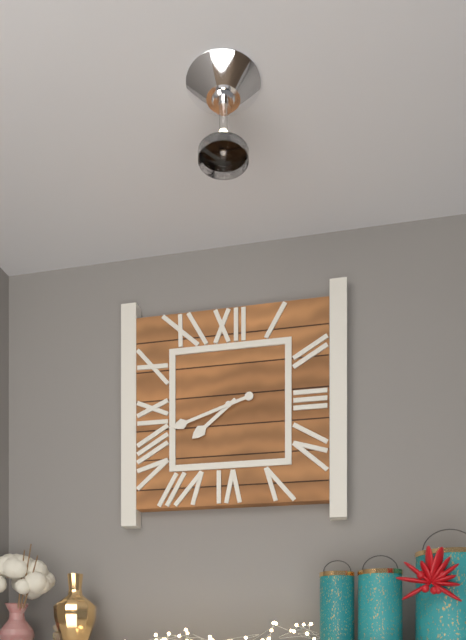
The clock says {"hour": 7, "minute": 42}
